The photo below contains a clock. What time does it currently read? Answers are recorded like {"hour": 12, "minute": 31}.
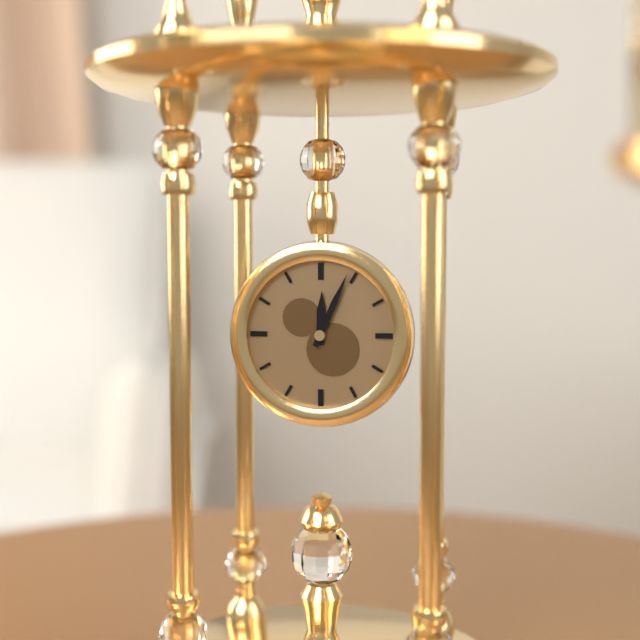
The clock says {"hour": 12, "minute": 4}
